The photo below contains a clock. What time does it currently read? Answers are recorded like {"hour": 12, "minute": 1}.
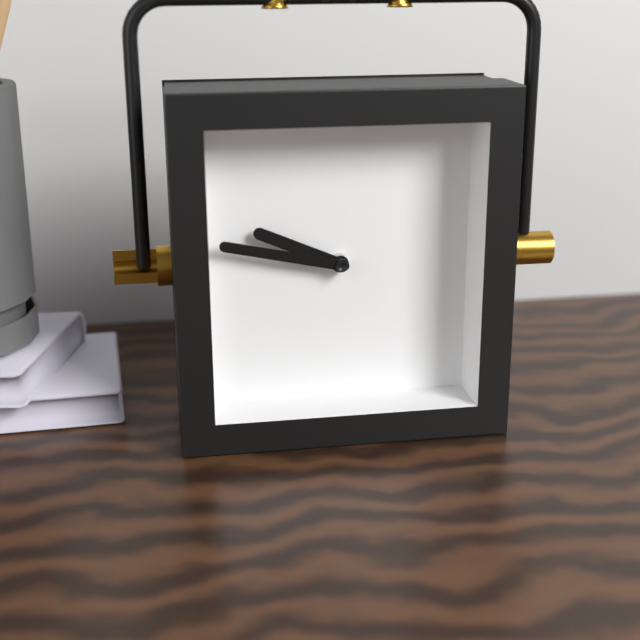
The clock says {"hour": 9, "minute": 47}
